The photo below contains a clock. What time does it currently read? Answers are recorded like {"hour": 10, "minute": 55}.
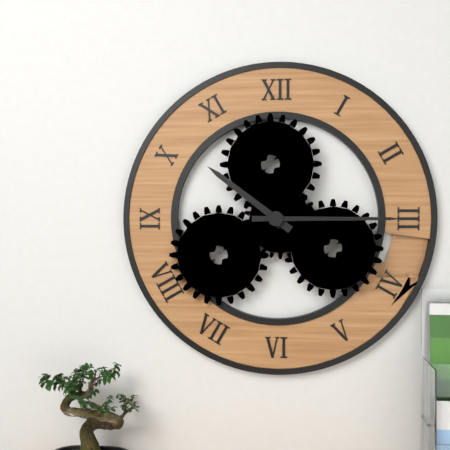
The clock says {"hour": 10, "minute": 15}
